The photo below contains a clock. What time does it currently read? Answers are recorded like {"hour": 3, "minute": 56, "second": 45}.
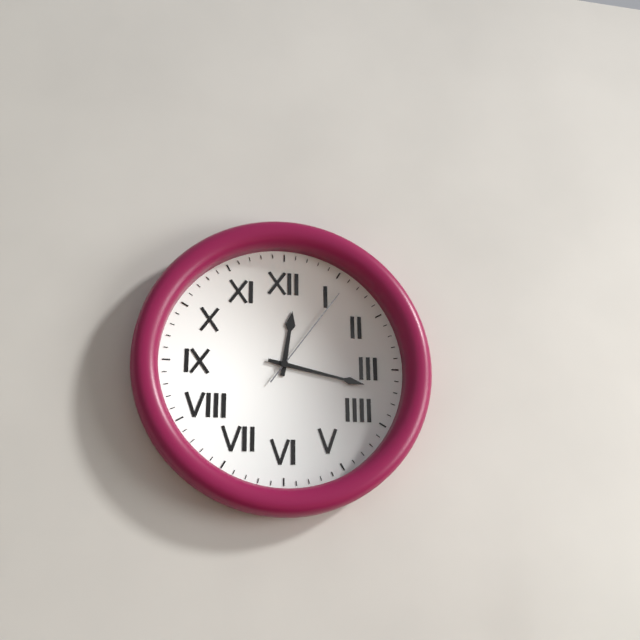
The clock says {"hour": 12, "minute": 17, "second": 6}
